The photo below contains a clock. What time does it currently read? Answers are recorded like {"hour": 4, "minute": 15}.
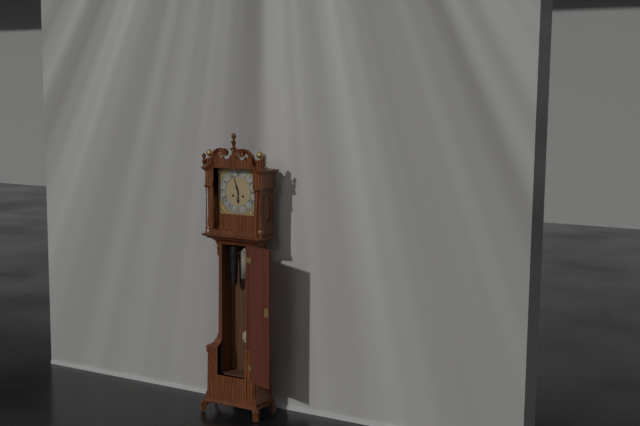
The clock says {"hour": 5, "minute": 57}
